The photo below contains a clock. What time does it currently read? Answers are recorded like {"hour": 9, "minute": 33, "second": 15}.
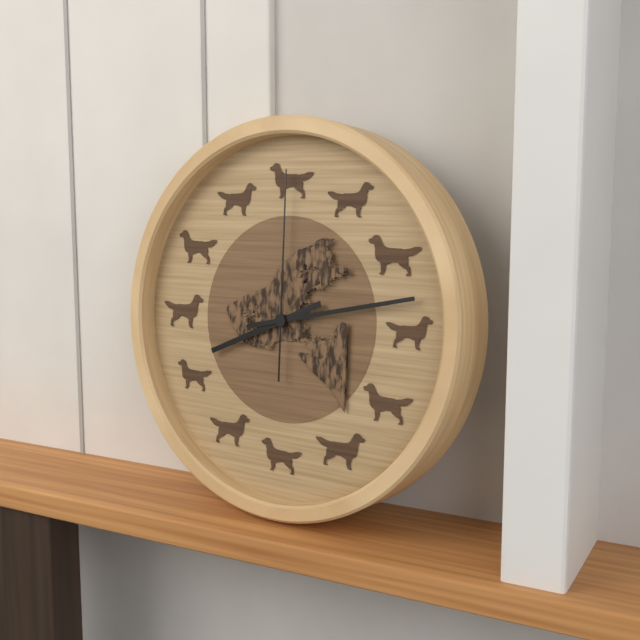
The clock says {"hour": 8, "minute": 13, "second": 0}
